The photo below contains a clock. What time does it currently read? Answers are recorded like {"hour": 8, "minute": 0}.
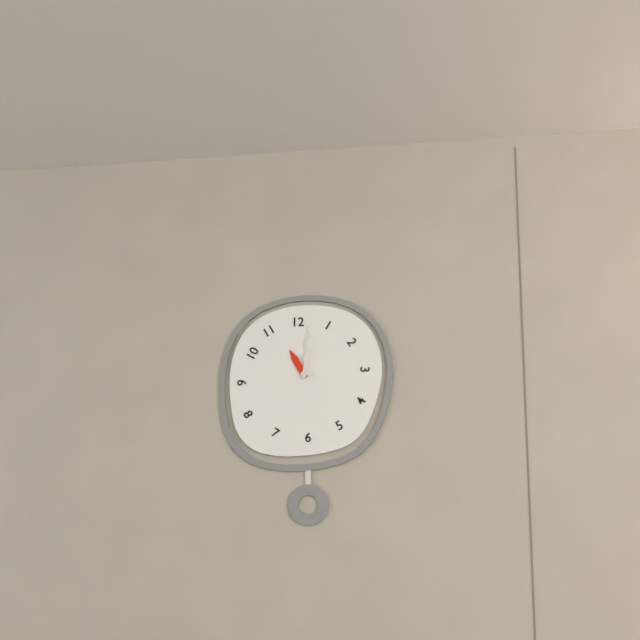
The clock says {"hour": 11, "minute": 1}
